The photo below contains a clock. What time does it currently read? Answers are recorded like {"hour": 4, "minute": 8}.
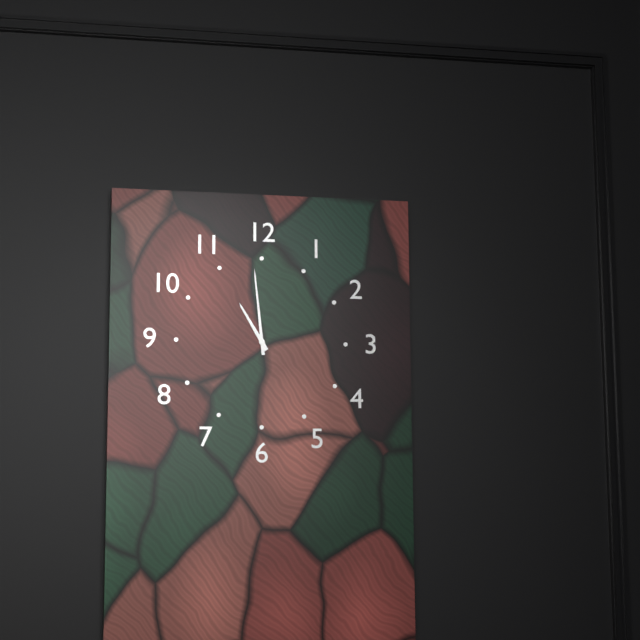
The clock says {"hour": 10, "minute": 59}
